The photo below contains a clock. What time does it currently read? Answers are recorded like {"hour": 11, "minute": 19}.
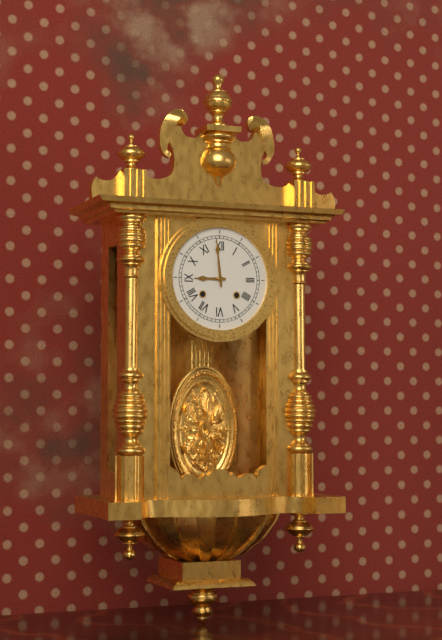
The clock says {"hour": 8, "minute": 59}
